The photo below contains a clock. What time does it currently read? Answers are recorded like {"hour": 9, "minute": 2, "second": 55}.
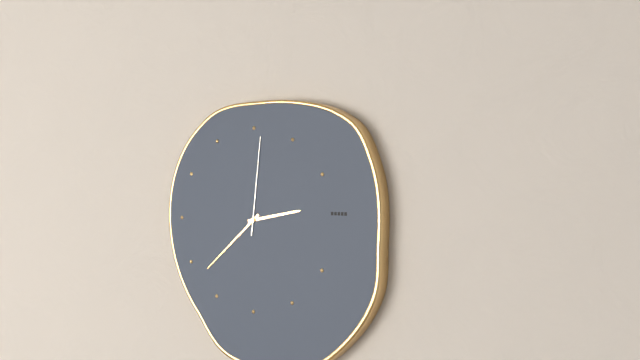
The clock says {"hour": 2, "minute": 38, "second": 1}
